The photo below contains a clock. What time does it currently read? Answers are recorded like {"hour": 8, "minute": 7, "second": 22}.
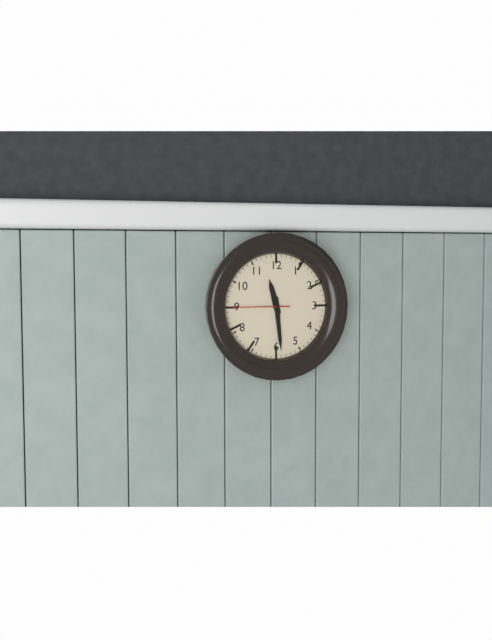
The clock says {"hour": 11, "minute": 29, "second": 45}
